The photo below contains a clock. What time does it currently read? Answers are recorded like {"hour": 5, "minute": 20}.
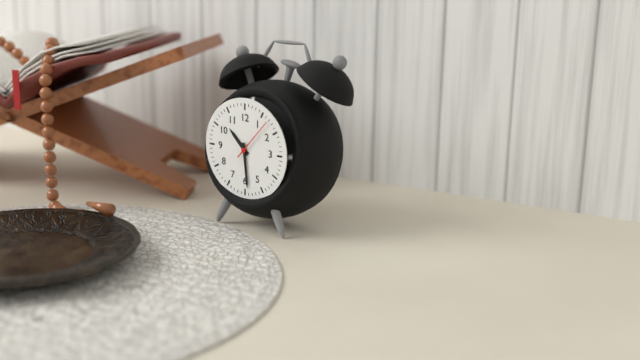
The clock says {"hour": 10, "minute": 29}
